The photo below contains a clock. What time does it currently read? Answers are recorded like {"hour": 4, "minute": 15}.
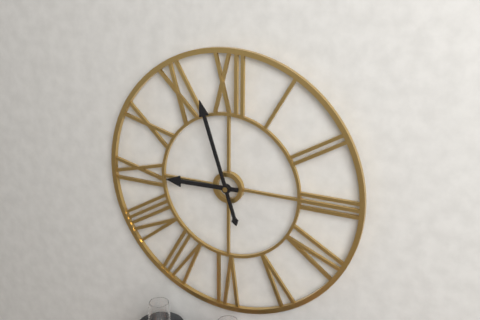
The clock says {"hour": 8, "minute": 57}
